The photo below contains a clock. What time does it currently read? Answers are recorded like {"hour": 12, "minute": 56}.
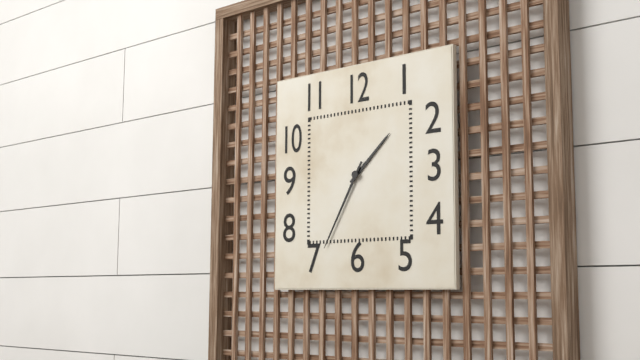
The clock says {"hour": 1, "minute": 35}
